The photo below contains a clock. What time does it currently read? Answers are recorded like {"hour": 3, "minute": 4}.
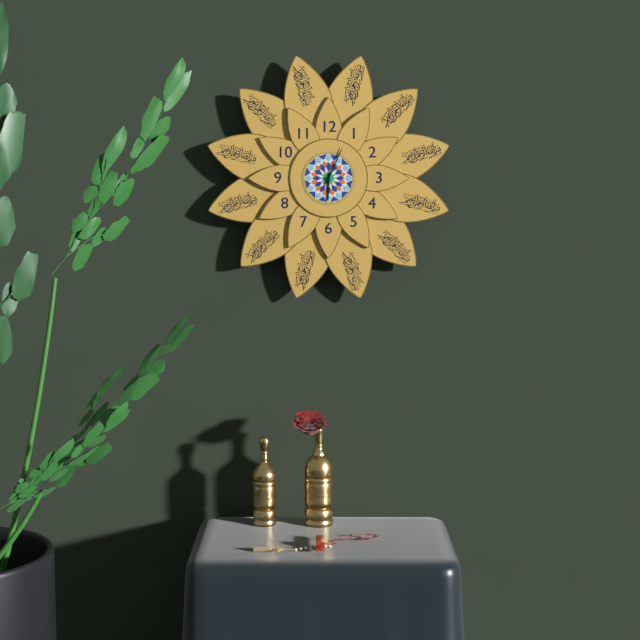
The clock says {"hour": 6, "minute": 4}
